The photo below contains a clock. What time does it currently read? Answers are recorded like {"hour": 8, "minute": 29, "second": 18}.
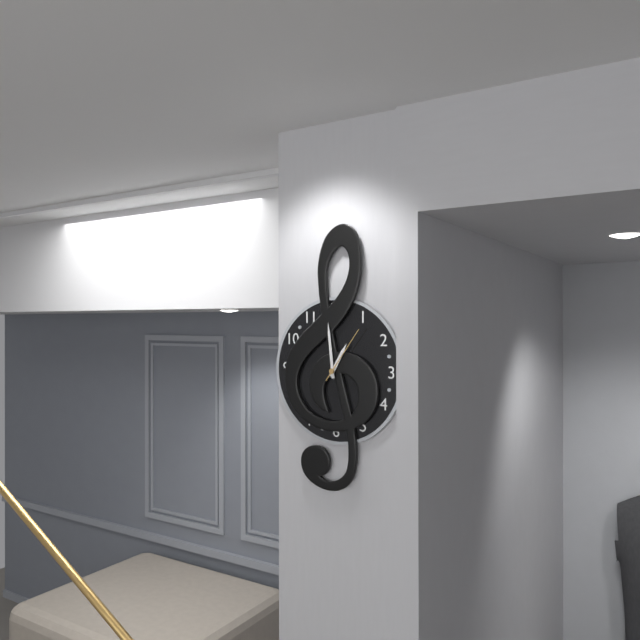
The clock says {"hour": 12, "minute": 59, "second": 6}
